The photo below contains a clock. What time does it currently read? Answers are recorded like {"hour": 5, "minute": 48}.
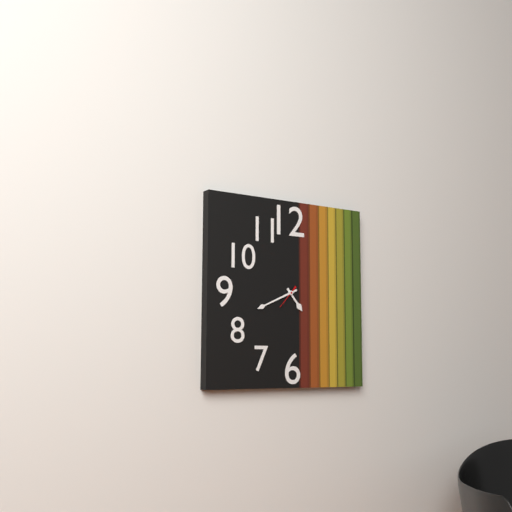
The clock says {"hour": 4, "minute": 41}
